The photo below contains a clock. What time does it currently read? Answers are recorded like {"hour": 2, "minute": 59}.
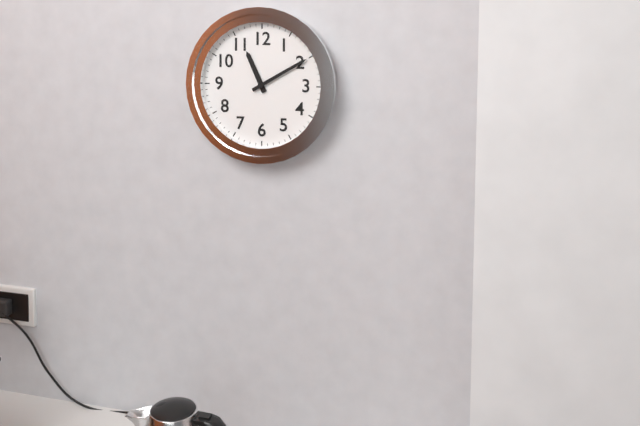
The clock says {"hour": 11, "minute": 10}
